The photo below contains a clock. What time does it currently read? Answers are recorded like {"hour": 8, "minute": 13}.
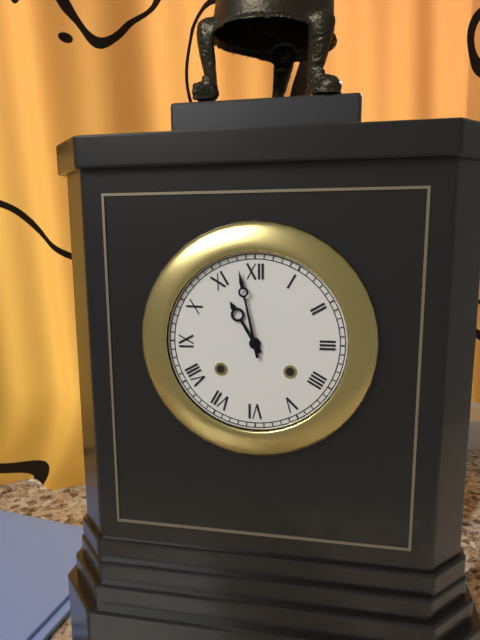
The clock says {"hour": 10, "minute": 58}
